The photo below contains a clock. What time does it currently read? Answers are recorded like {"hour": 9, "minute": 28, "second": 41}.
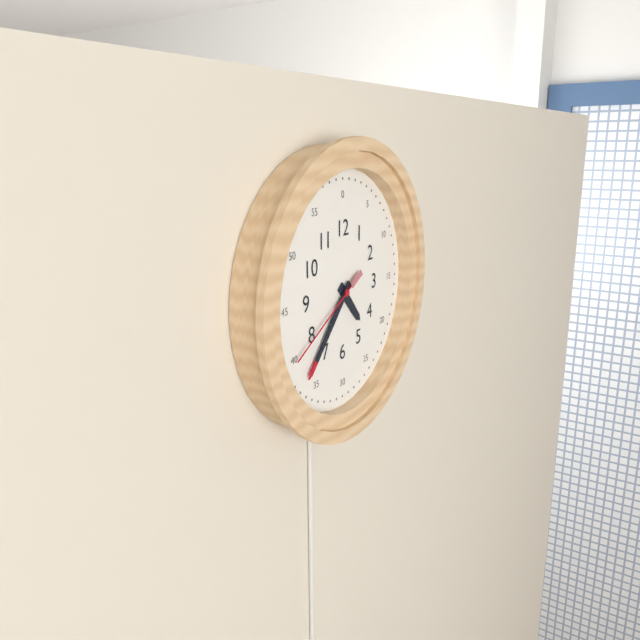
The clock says {"hour": 4, "minute": 37, "second": 40}
